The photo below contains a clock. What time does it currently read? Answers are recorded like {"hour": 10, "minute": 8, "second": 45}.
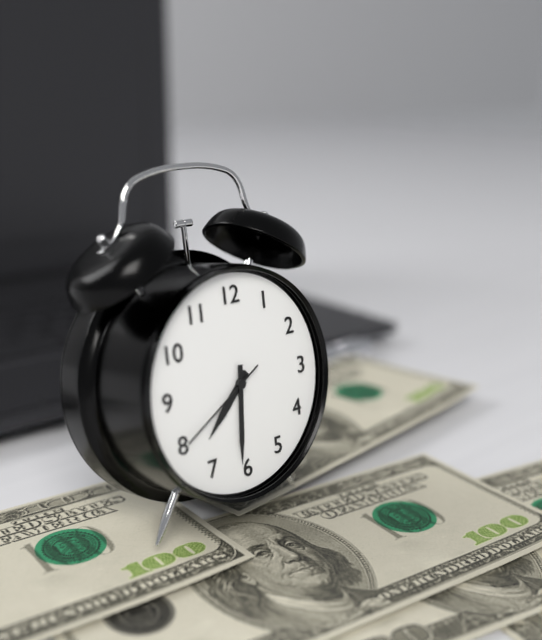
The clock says {"hour": 7, "minute": 31, "second": 40}
